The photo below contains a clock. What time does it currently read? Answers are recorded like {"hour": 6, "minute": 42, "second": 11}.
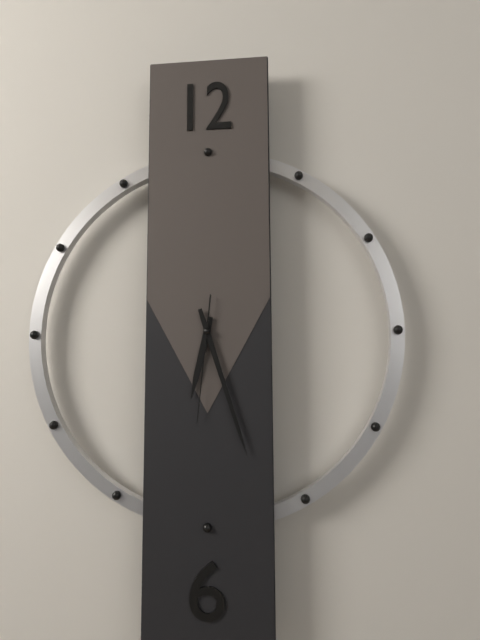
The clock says {"hour": 6, "minute": 27, "second": 31}
